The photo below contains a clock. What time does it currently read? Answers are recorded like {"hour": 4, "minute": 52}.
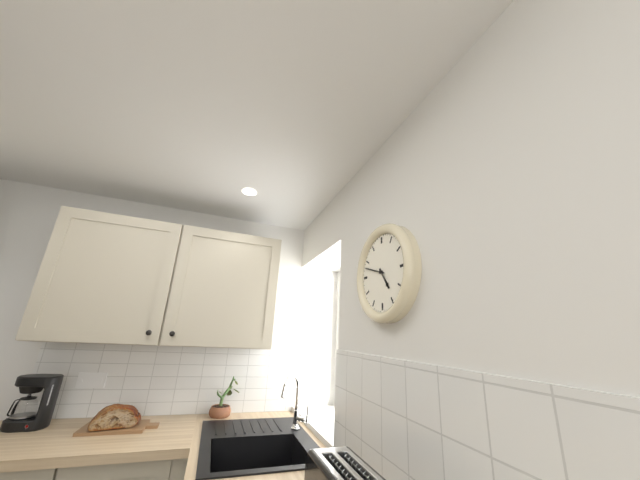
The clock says {"hour": 4, "minute": 48}
